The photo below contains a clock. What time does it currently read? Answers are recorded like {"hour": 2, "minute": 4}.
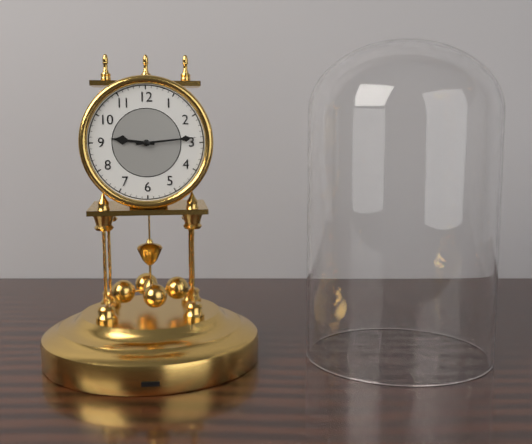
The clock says {"hour": 9, "minute": 14}
